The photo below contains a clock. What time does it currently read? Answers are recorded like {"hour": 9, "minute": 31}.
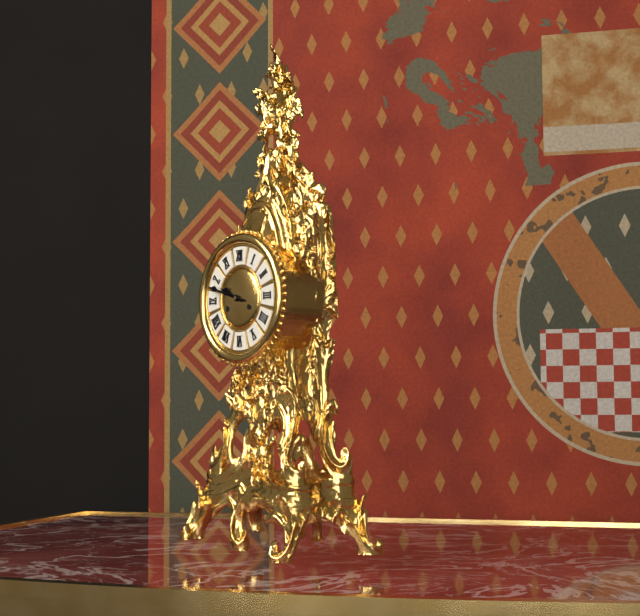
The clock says {"hour": 9, "minute": 48}
